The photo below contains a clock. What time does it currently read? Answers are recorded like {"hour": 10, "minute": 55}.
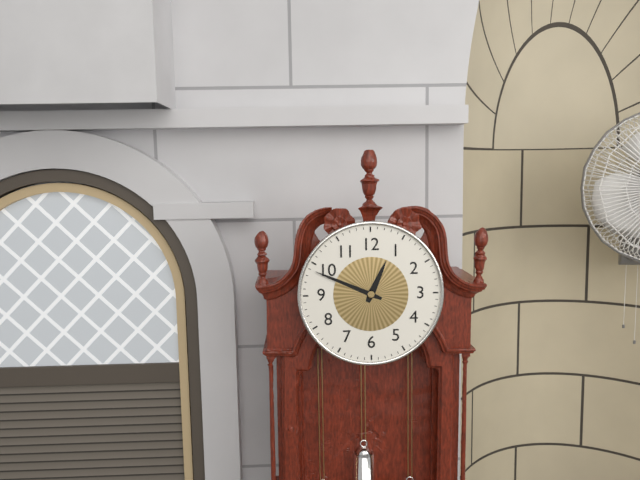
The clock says {"hour": 12, "minute": 49}
